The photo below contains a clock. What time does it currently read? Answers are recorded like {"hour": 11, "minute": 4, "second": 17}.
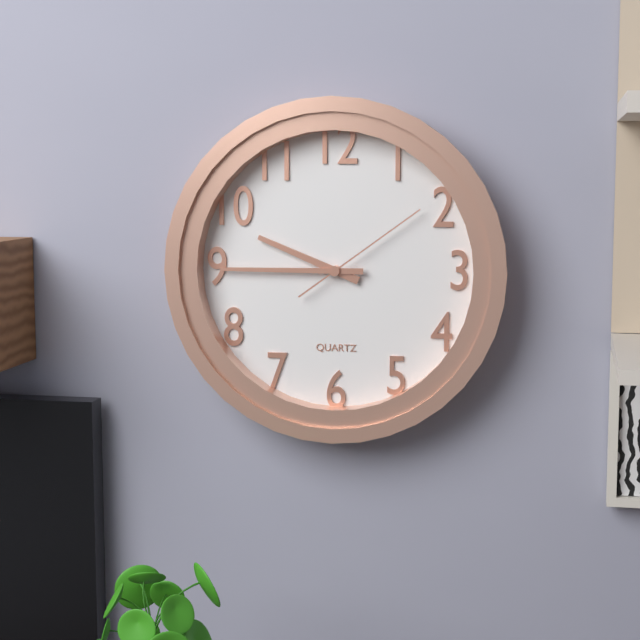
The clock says {"hour": 9, "minute": 45, "second": 9}
